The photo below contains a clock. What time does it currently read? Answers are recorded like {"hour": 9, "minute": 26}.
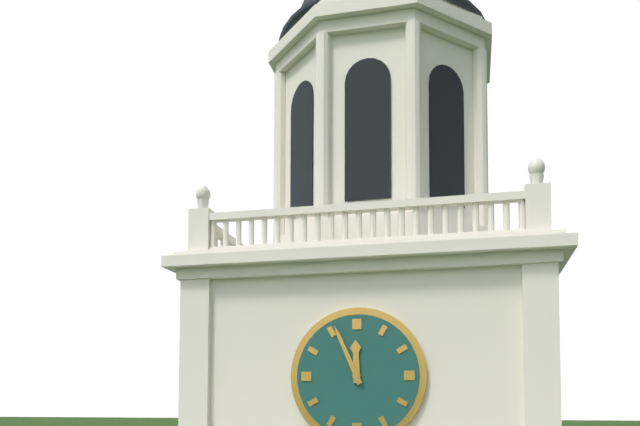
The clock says {"hour": 11, "minute": 56}
